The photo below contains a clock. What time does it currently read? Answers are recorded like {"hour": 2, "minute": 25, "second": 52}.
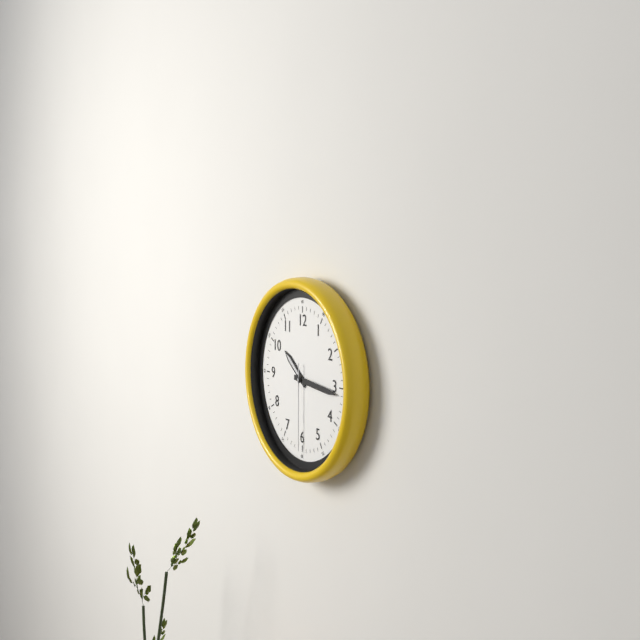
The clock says {"hour": 10, "minute": 16, "second": 30}
